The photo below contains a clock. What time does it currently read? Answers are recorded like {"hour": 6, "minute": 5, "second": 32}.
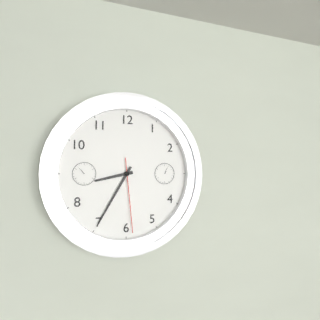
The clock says {"hour": 8, "minute": 35, "second": 29}
